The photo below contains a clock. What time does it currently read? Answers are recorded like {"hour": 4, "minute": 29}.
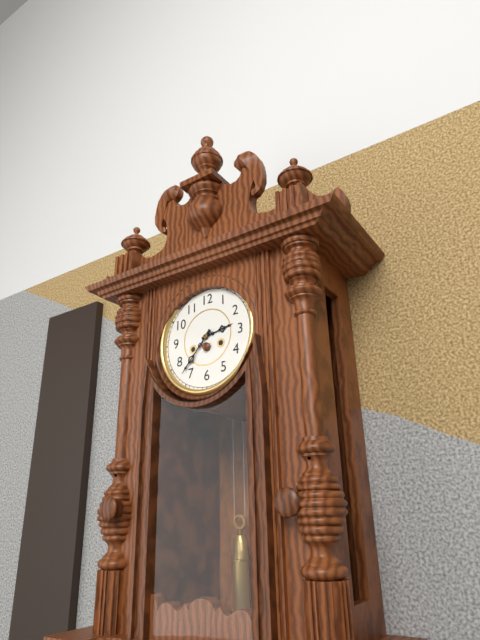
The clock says {"hour": 2, "minute": 37}
